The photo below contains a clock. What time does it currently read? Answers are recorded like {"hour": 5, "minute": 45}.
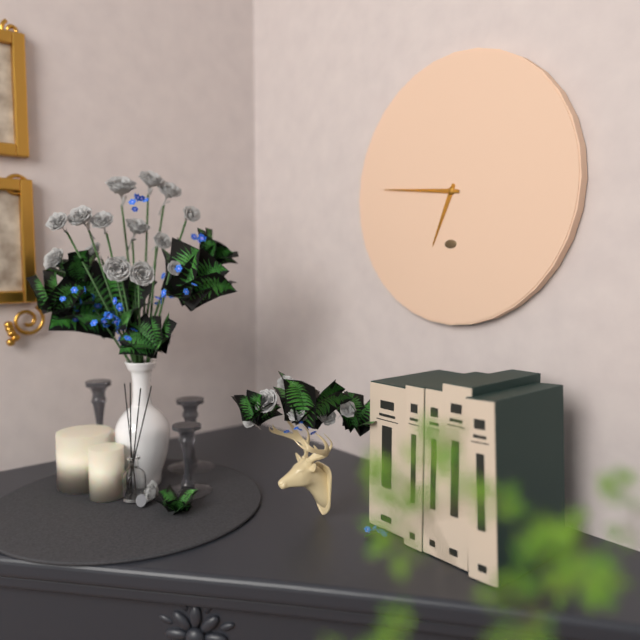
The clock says {"hour": 6, "minute": 46}
